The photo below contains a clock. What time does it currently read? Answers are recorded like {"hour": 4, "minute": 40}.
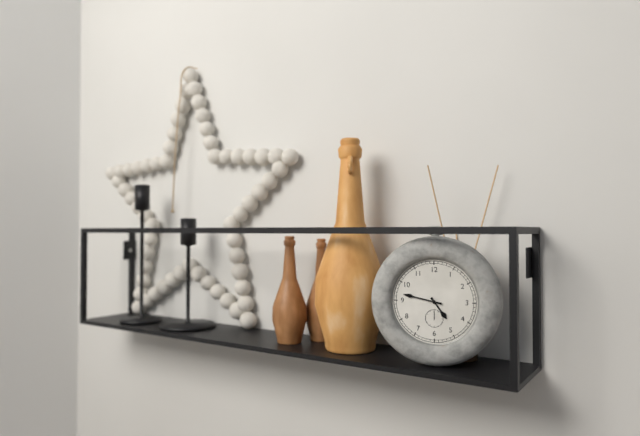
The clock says {"hour": 4, "minute": 47}
